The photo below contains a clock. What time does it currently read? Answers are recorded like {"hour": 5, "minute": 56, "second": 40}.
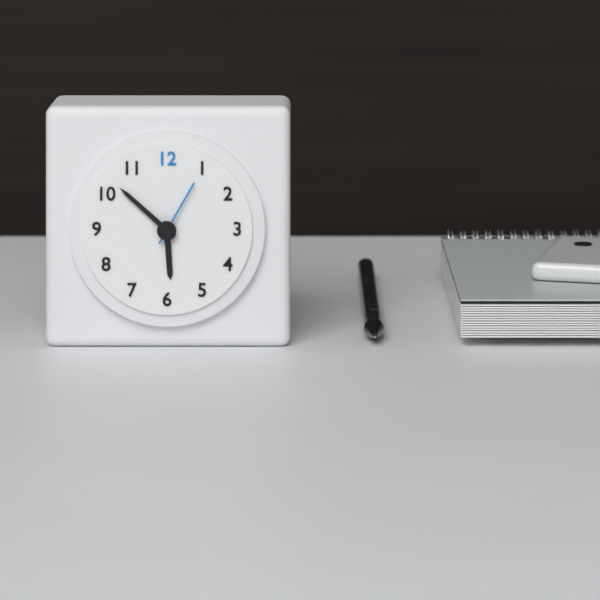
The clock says {"hour": 5, "minute": 52, "second": 5}
